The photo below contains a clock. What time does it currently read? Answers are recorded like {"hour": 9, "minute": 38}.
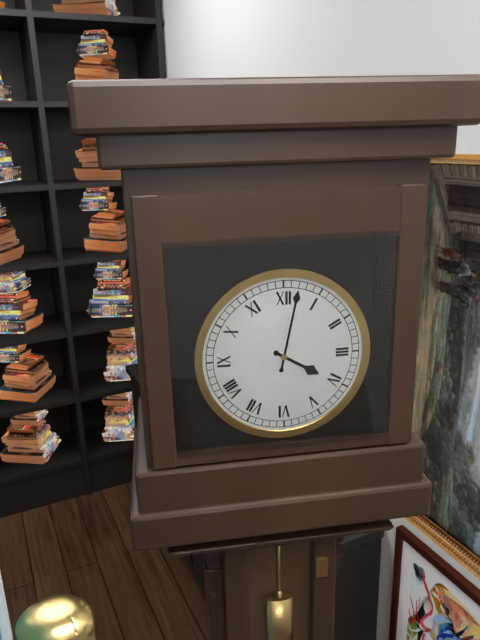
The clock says {"hour": 4, "minute": 2}
